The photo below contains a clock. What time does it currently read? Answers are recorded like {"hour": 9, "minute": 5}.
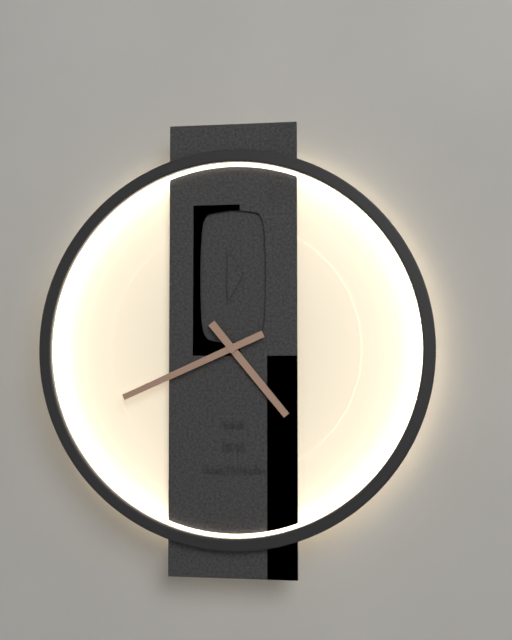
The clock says {"hour": 4, "minute": 41}
